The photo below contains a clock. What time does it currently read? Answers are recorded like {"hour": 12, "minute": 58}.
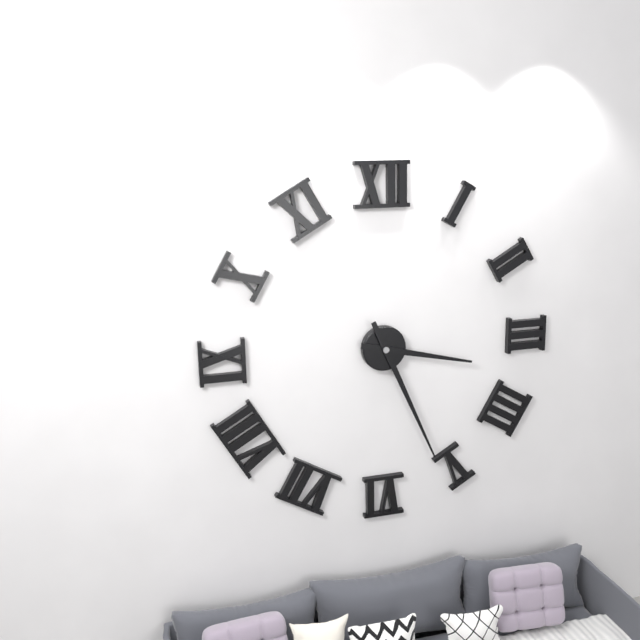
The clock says {"hour": 3, "minute": 26}
